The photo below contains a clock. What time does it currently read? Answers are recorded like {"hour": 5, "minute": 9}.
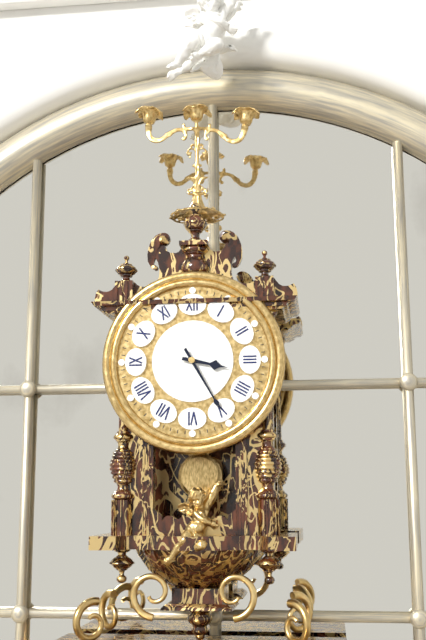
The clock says {"hour": 3, "minute": 25}
